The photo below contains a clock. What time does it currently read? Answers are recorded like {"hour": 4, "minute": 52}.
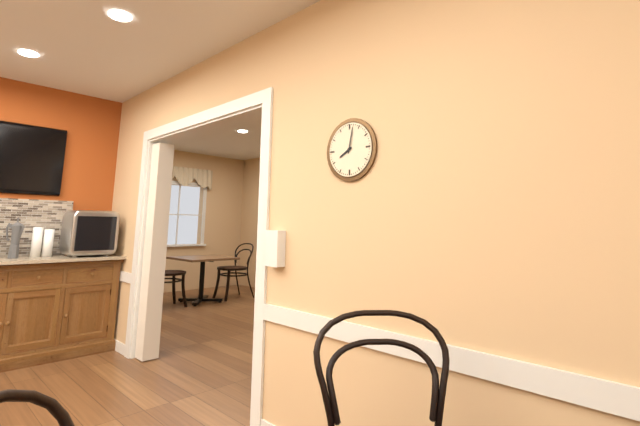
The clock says {"hour": 8, "minute": 2}
